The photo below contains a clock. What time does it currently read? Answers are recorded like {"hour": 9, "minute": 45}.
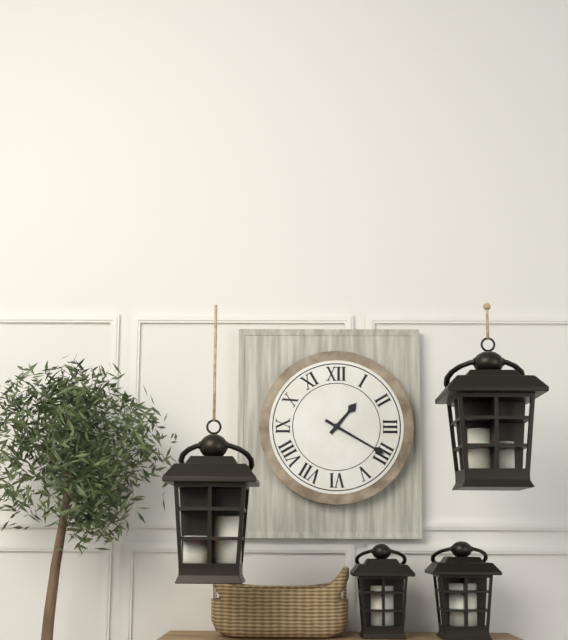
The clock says {"hour": 1, "minute": 20}
